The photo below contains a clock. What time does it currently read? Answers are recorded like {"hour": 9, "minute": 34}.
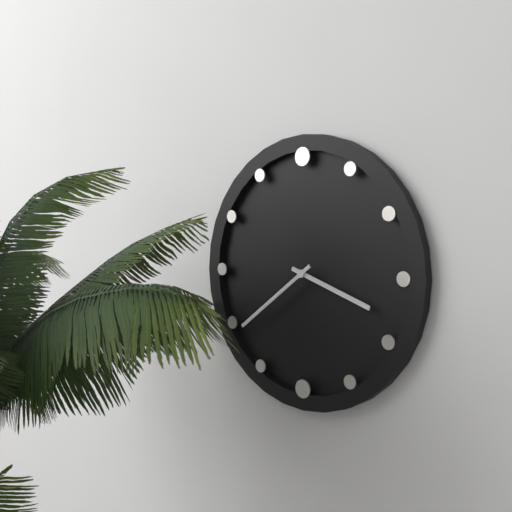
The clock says {"hour": 3, "minute": 39}
